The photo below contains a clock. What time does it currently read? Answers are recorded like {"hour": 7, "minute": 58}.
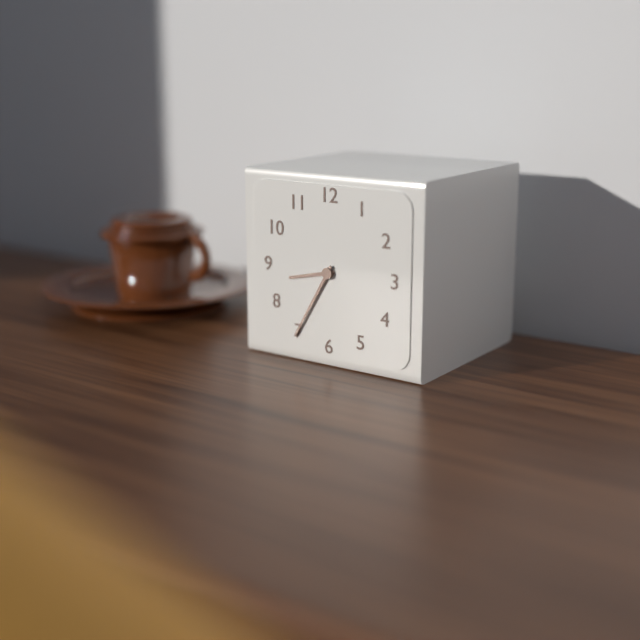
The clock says {"hour": 8, "minute": 35}
